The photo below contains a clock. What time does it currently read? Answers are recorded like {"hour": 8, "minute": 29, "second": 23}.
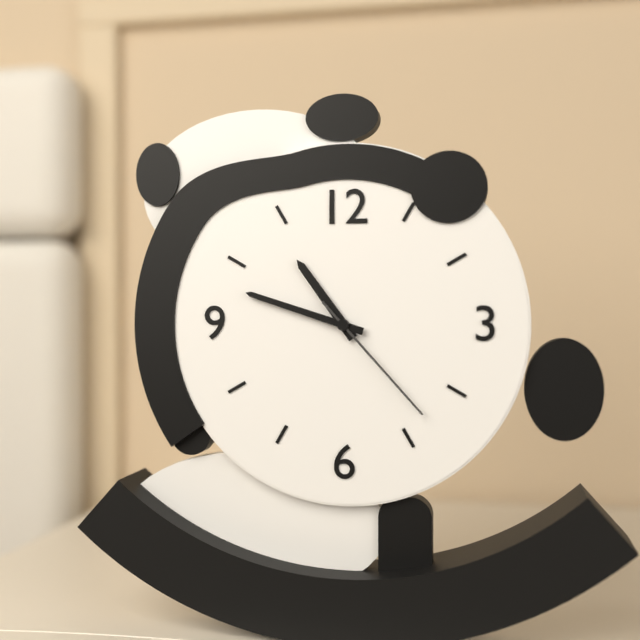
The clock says {"hour": 10, "minute": 48, "second": 23}
